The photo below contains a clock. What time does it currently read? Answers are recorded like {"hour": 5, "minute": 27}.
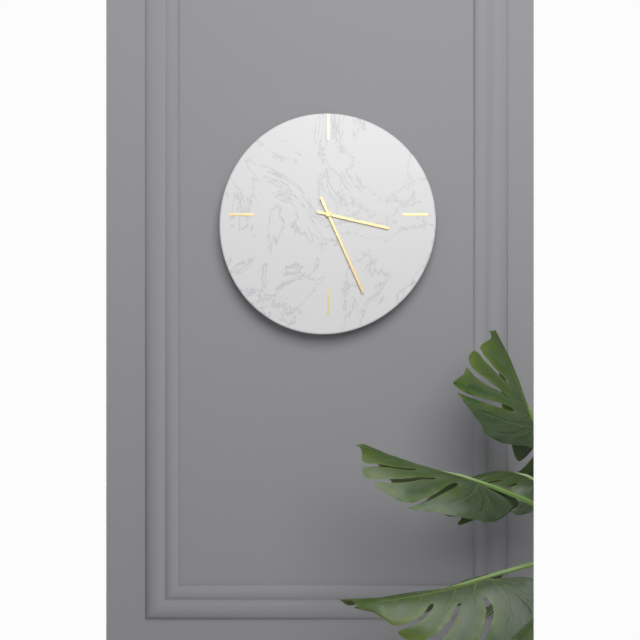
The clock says {"hour": 3, "minute": 26}
